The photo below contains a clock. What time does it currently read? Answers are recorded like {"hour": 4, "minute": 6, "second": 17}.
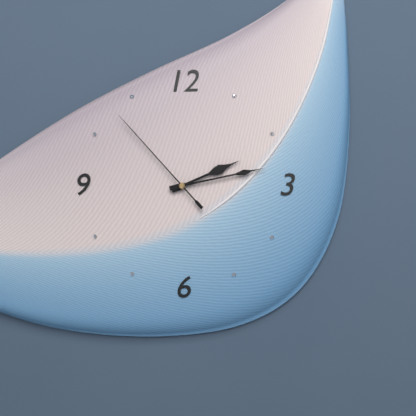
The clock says {"hour": 2, "minute": 13, "second": 53}
